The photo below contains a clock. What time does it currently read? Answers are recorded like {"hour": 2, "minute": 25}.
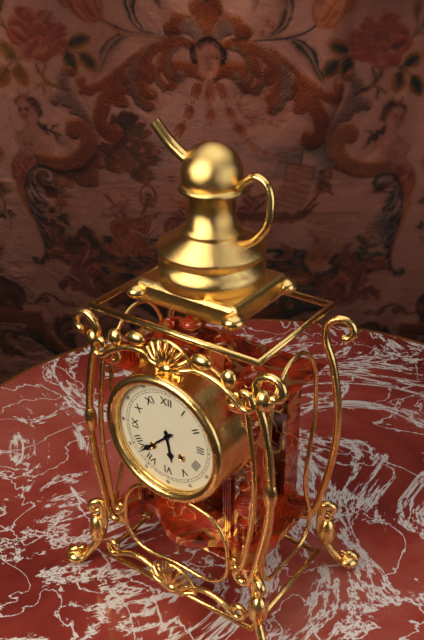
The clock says {"hour": 5, "minute": 38}
